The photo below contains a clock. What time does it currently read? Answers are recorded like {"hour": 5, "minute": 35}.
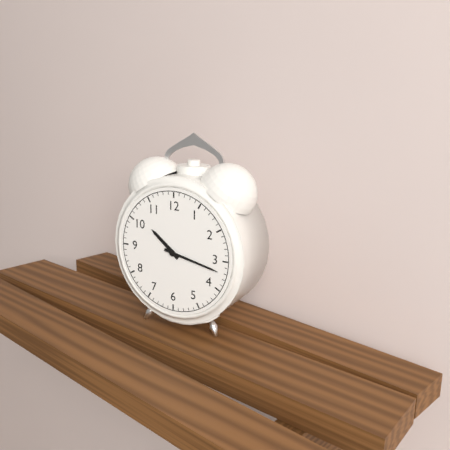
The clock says {"hour": 10, "minute": 17}
